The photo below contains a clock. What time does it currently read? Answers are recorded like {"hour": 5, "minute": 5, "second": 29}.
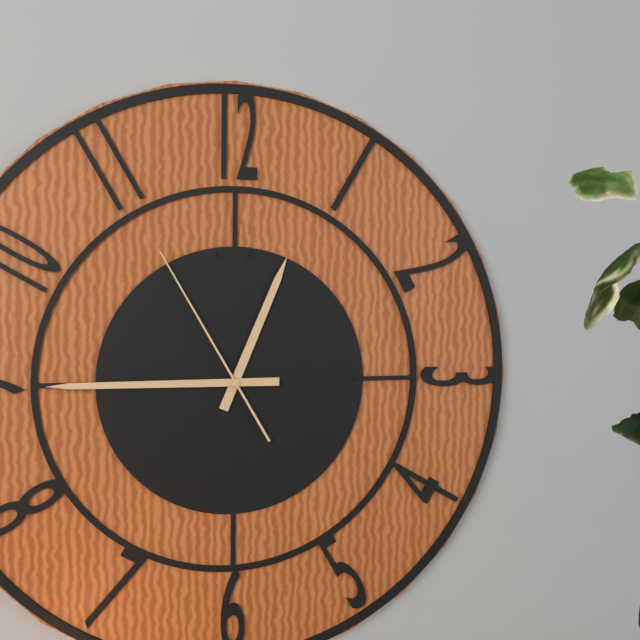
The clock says {"hour": 12, "minute": 45, "second": 55}
